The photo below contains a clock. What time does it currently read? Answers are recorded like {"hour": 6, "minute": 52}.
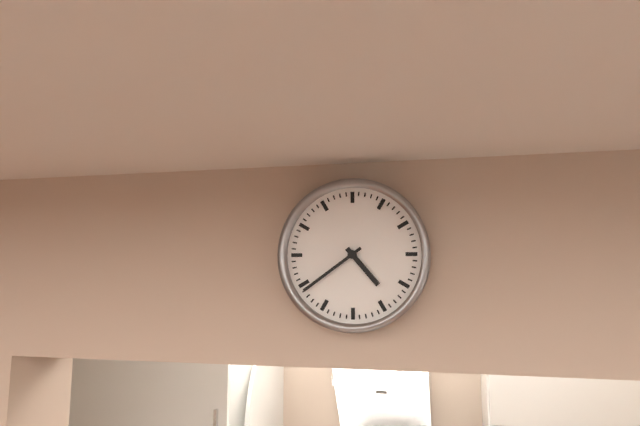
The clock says {"hour": 4, "minute": 39}
